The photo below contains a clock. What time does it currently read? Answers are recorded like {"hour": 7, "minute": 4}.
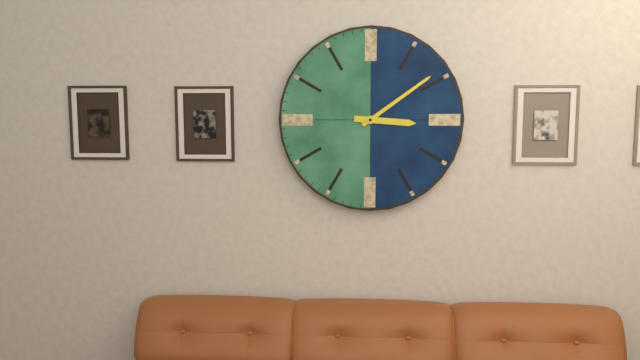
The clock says {"hour": 3, "minute": 9}
